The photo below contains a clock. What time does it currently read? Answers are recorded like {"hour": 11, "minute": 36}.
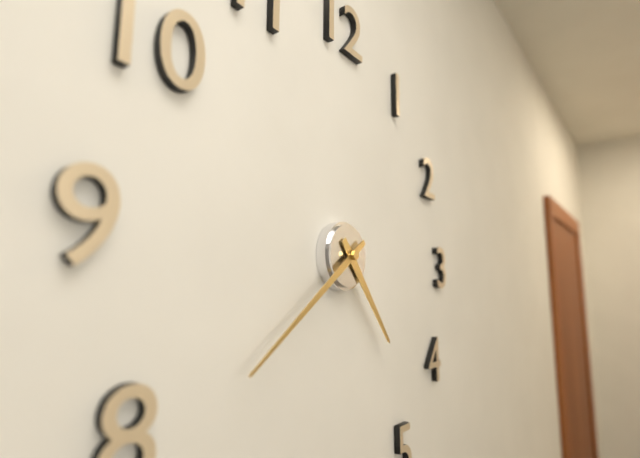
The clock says {"hour": 4, "minute": 39}
